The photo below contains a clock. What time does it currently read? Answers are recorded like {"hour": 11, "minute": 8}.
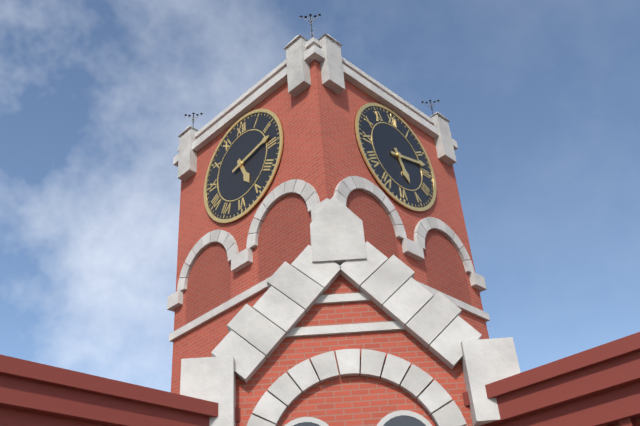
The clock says {"hour": 5, "minute": 13}
